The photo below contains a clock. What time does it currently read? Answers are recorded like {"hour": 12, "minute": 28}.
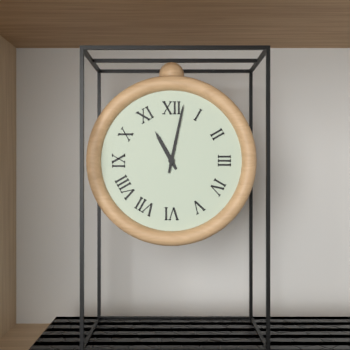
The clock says {"hour": 11, "minute": 2}
